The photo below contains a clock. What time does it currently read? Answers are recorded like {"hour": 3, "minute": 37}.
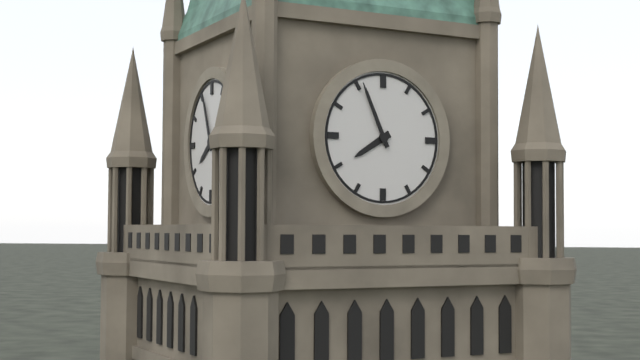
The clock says {"hour": 7, "minute": 56}
